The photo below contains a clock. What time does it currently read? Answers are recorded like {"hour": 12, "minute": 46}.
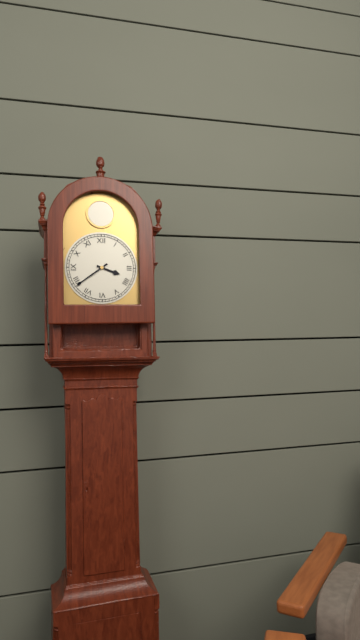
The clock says {"hour": 3, "minute": 39}
